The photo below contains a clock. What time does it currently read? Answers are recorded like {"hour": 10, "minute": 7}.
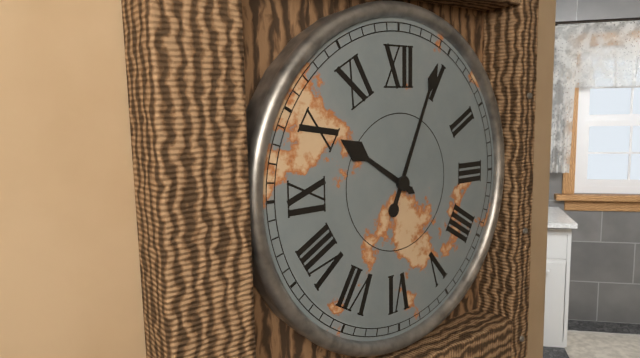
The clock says {"hour": 10, "minute": 4}
